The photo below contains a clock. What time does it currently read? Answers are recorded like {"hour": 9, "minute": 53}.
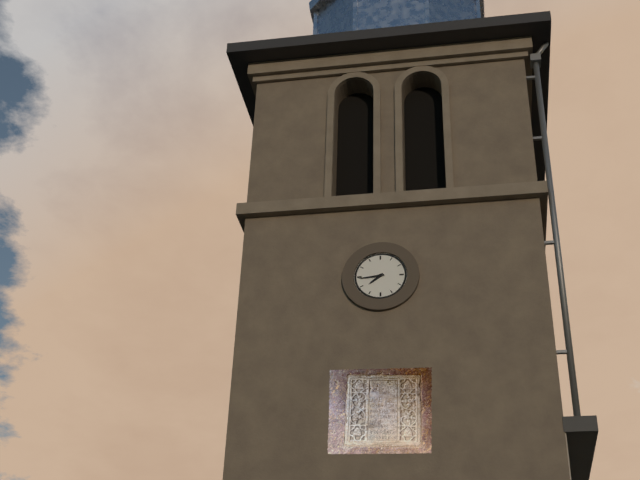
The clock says {"hour": 7, "minute": 44}
